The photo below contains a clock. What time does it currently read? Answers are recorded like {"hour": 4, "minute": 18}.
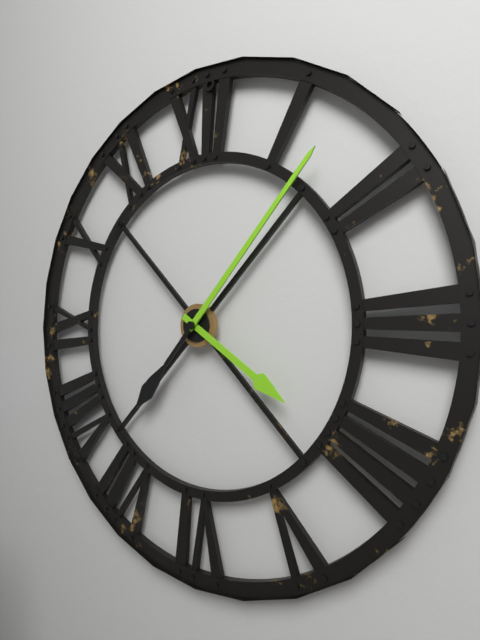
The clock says {"hour": 4, "minute": 7}
